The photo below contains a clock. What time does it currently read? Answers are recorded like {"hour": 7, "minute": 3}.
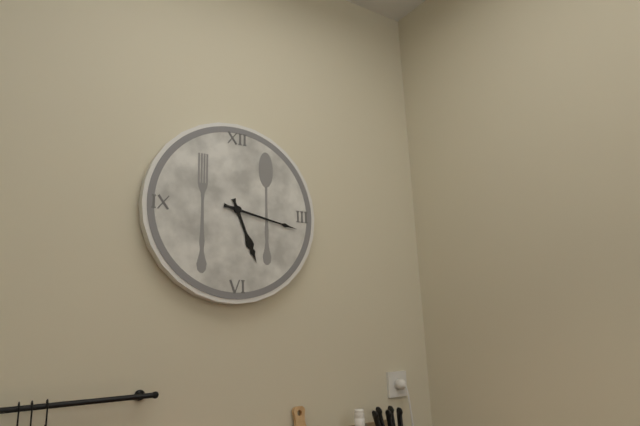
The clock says {"hour": 5, "minute": 17}
